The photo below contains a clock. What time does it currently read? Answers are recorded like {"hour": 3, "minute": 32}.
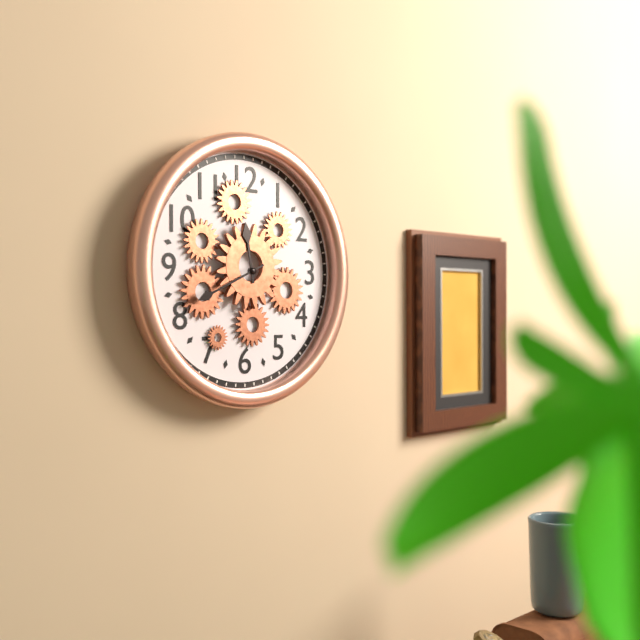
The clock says {"hour": 11, "minute": 41}
